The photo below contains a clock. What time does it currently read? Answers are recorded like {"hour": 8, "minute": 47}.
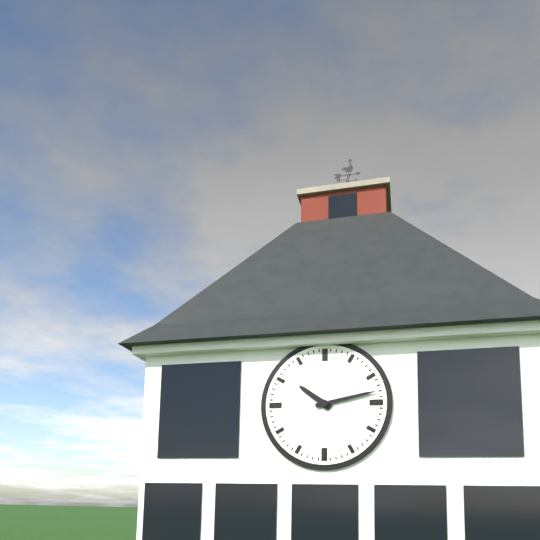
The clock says {"hour": 10, "minute": 13}
